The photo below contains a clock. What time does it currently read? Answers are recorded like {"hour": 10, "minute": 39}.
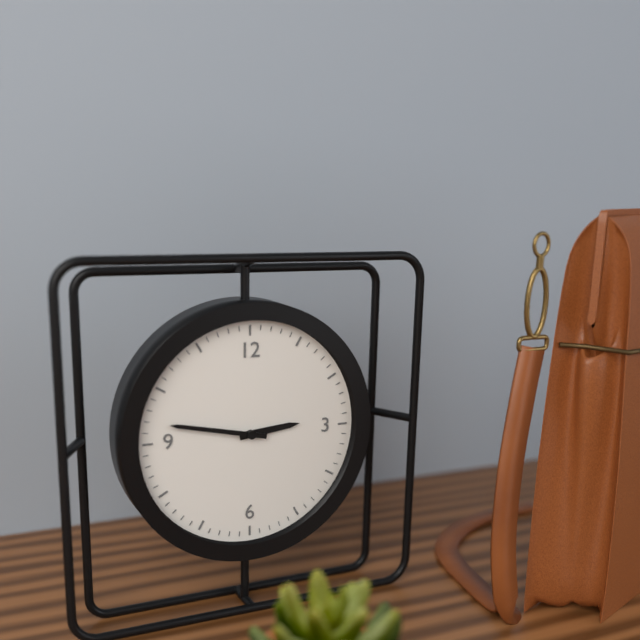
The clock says {"hour": 2, "minute": 47}
